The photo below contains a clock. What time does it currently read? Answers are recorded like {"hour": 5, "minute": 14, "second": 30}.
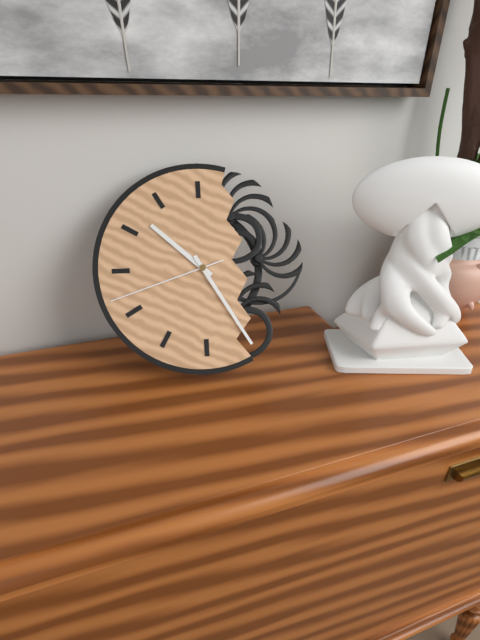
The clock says {"hour": 10, "minute": 25, "second": 42}
